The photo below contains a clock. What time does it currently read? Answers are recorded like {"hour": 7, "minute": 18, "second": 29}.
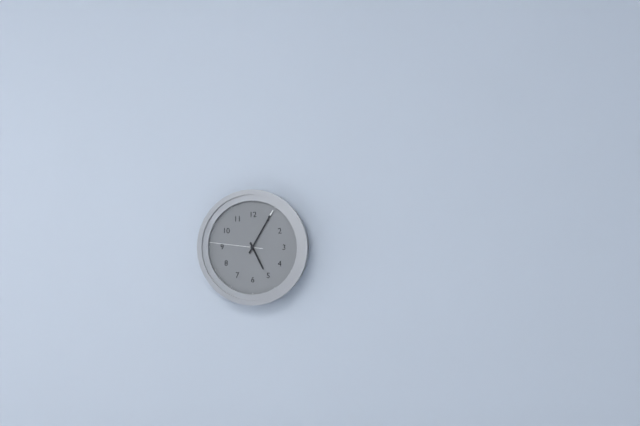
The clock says {"hour": 5, "minute": 5, "second": 46}
